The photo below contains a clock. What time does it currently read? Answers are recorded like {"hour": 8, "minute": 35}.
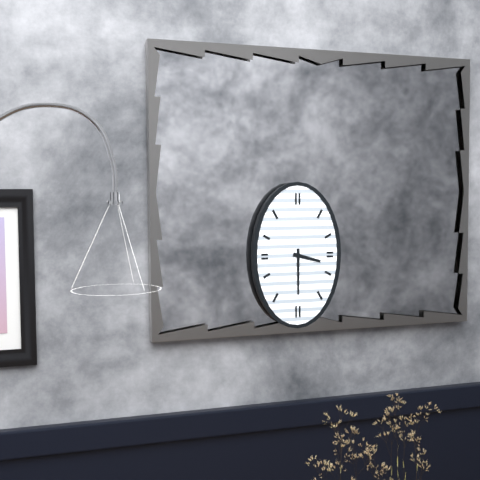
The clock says {"hour": 3, "minute": 30}
